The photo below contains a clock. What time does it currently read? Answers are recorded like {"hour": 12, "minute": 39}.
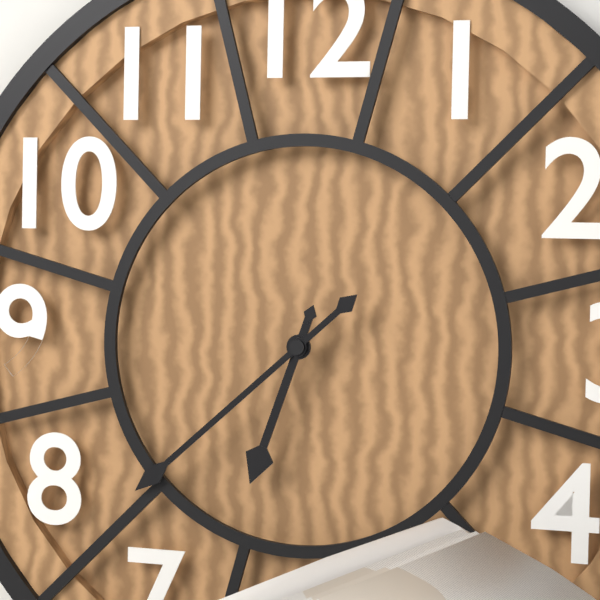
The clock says {"hour": 6, "minute": 38}
